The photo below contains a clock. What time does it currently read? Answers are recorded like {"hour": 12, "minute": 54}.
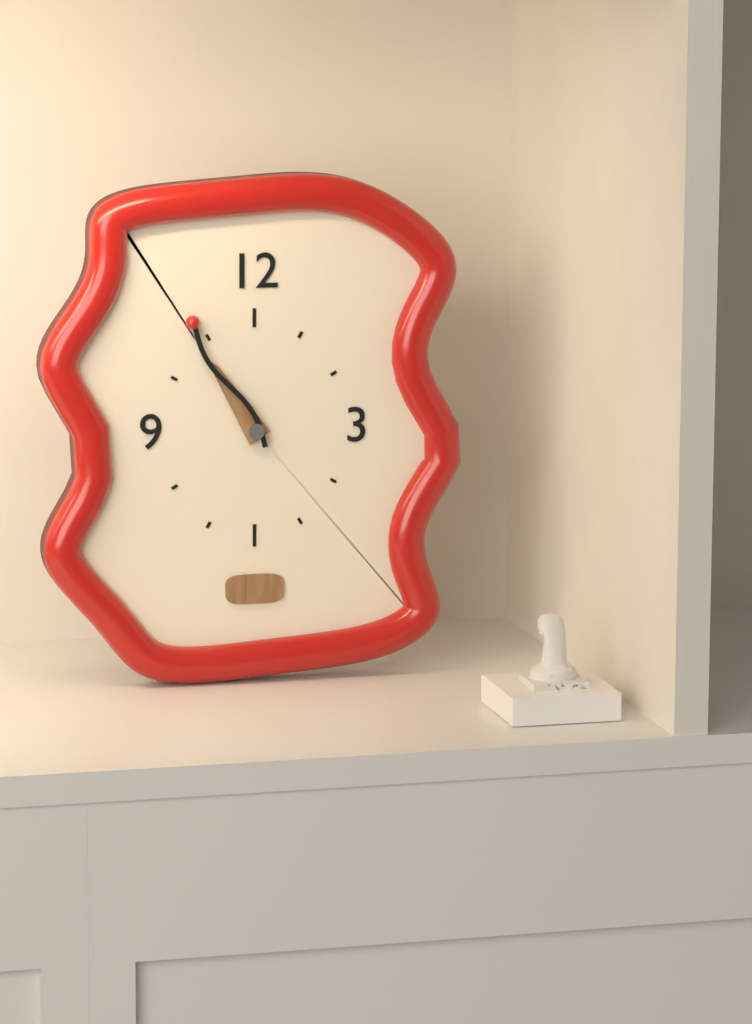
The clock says {"hour": 10, "minute": 55}
